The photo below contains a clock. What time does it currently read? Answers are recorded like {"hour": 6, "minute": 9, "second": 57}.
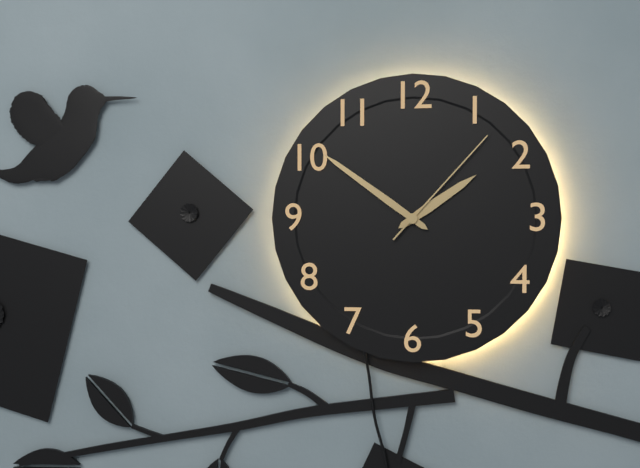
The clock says {"hour": 1, "minute": 51, "second": 7}
